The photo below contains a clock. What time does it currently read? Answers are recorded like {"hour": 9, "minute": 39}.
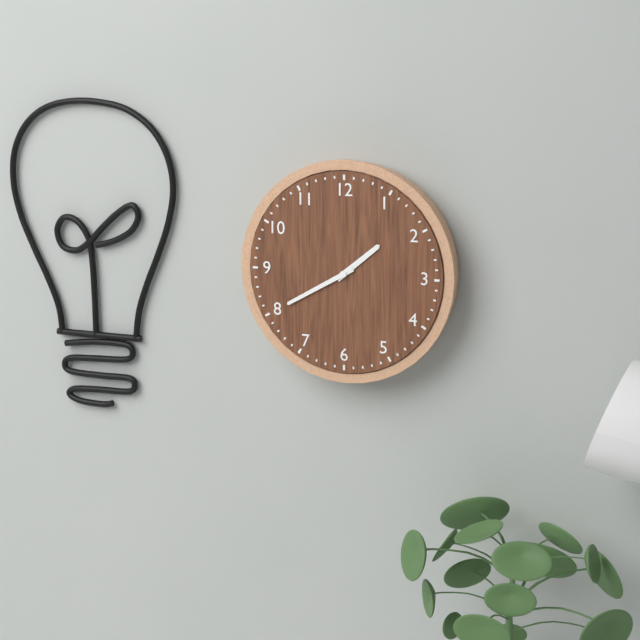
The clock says {"hour": 1, "minute": 40}
